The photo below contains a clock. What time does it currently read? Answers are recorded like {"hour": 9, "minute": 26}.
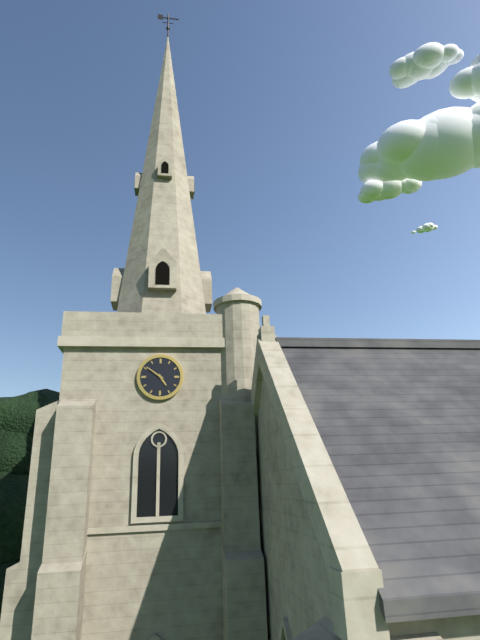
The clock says {"hour": 4, "minute": 51}
